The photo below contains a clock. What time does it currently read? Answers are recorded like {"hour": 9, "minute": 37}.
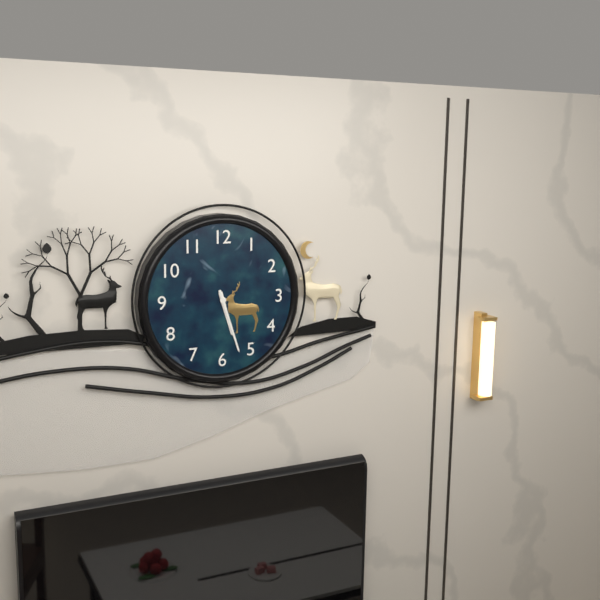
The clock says {"hour": 5, "minute": 27}
